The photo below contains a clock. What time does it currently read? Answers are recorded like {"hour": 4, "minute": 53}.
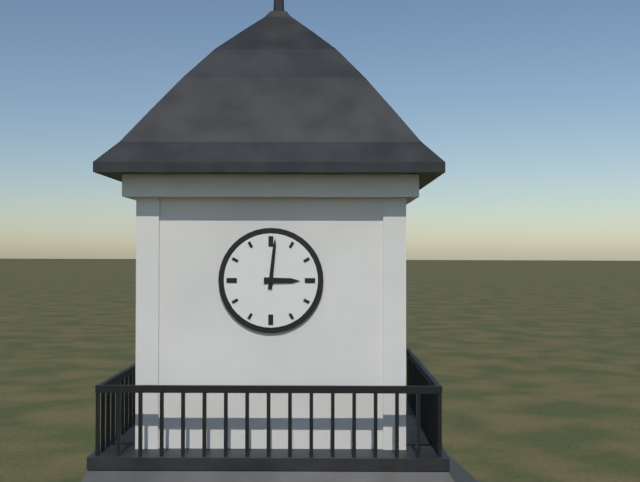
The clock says {"hour": 3, "minute": 1}
